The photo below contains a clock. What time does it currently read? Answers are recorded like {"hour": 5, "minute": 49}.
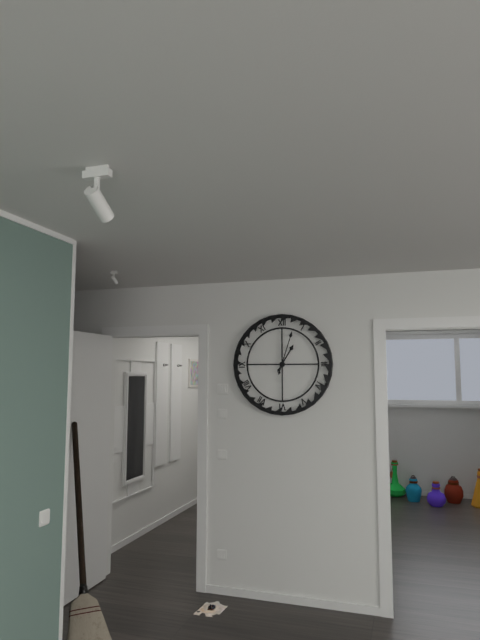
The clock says {"hour": 1, "minute": 3}
